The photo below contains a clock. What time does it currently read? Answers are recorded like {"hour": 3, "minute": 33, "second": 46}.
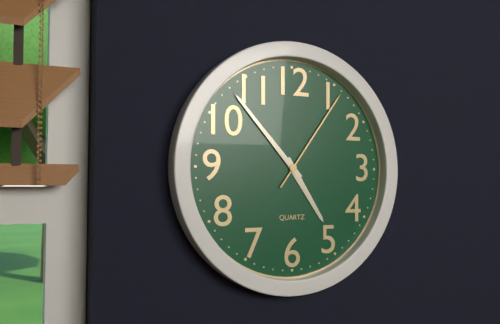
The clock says {"hour": 4, "minute": 53, "second": 6}
